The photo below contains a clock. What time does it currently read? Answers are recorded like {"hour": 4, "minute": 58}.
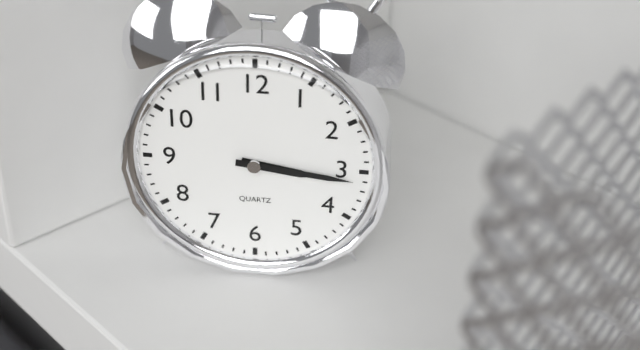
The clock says {"hour": 3, "minute": 16}
